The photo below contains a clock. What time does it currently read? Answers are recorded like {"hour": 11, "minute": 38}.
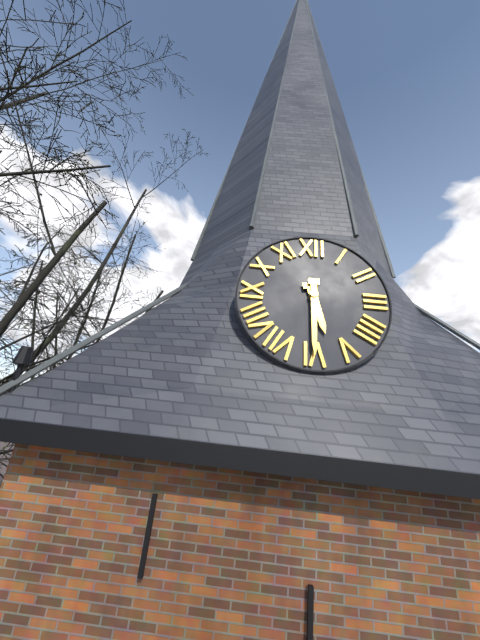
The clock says {"hour": 5, "minute": 30}
